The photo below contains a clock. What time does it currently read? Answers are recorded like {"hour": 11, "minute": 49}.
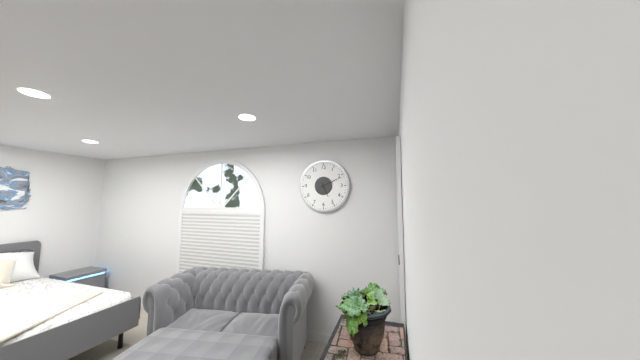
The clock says {"hour": 5, "minute": 11}
